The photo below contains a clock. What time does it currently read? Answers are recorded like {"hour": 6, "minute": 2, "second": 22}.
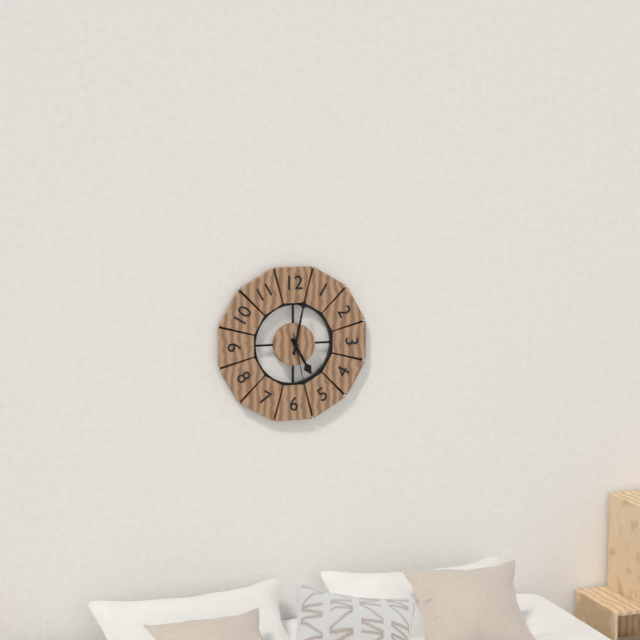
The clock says {"hour": 5, "minute": 2, "second": 28}
